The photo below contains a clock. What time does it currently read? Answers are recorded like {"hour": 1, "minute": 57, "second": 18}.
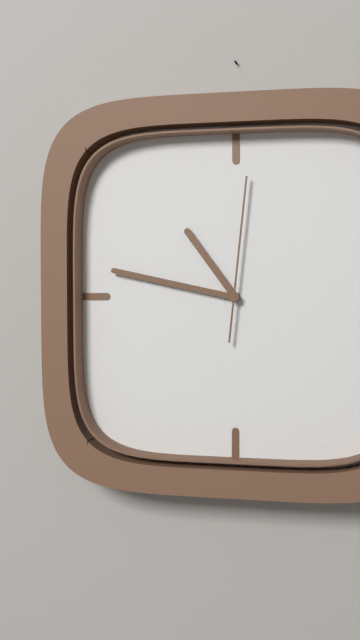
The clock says {"hour": 10, "minute": 47, "second": 1}
